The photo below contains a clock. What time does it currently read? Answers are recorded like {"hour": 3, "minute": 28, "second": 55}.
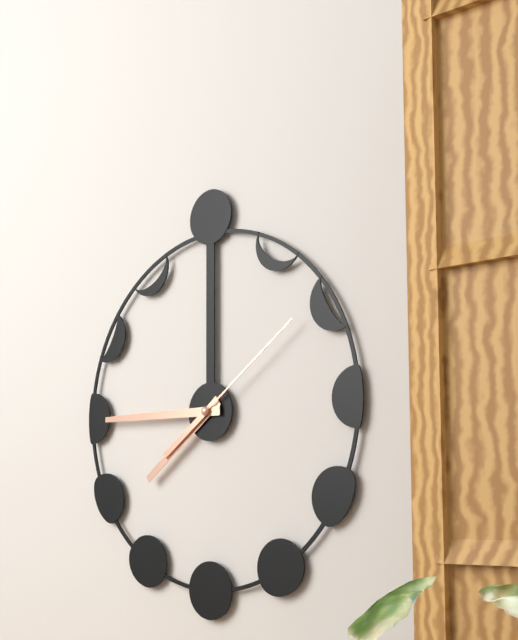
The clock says {"hour": 7, "minute": 45, "second": 9}
